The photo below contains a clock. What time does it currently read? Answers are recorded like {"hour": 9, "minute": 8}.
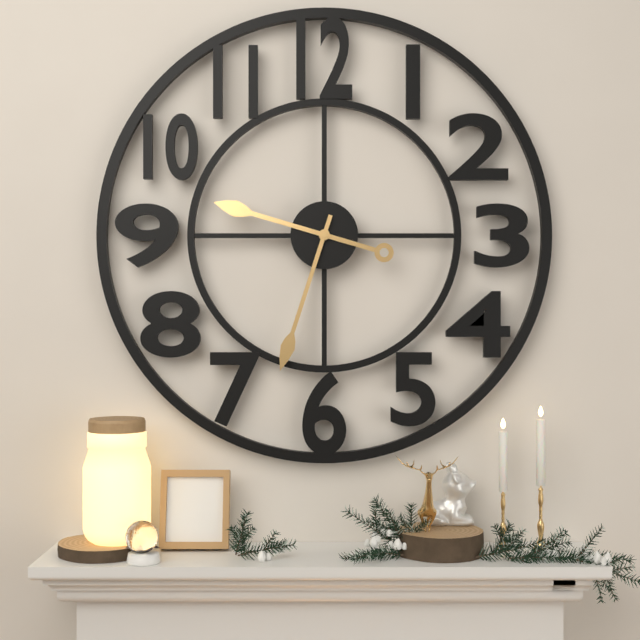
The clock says {"hour": 9, "minute": 33}
